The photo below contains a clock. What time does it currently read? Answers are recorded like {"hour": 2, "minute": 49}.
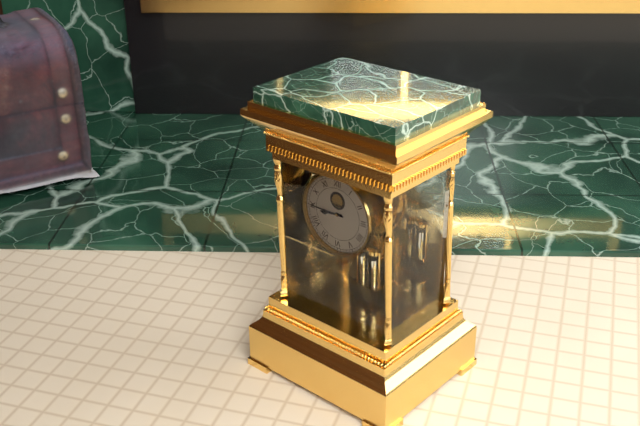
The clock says {"hour": 8, "minute": 45}
